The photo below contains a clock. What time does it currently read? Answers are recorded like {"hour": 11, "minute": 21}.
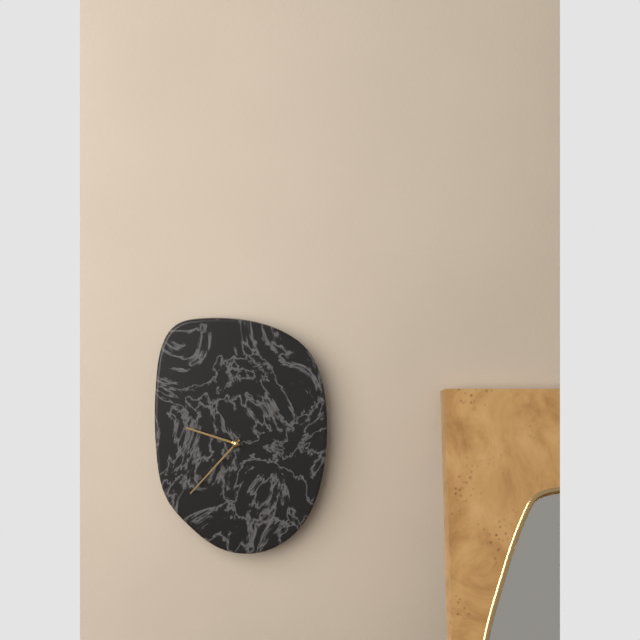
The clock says {"hour": 9, "minute": 37}
